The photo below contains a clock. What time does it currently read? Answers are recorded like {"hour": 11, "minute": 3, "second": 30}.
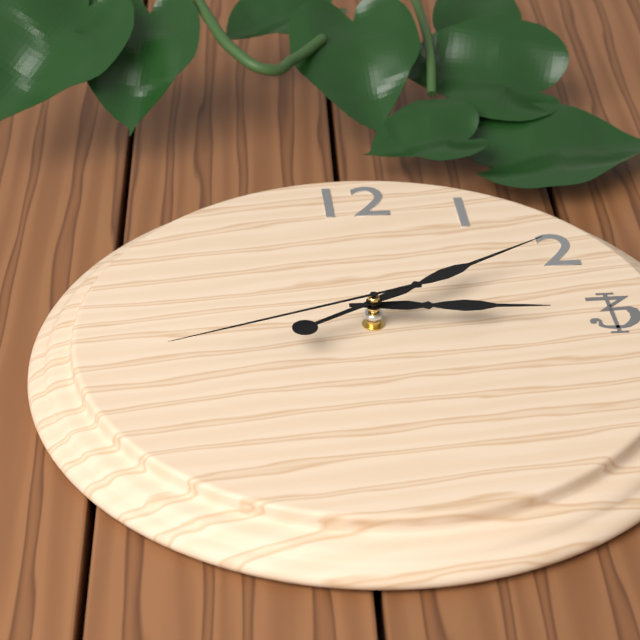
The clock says {"hour": 3, "minute": 10, "second": 42}
